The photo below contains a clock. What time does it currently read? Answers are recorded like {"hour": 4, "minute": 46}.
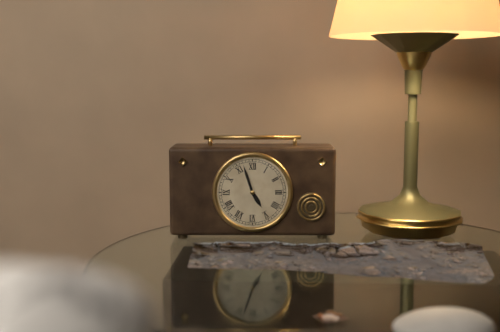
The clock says {"hour": 4, "minute": 57}
